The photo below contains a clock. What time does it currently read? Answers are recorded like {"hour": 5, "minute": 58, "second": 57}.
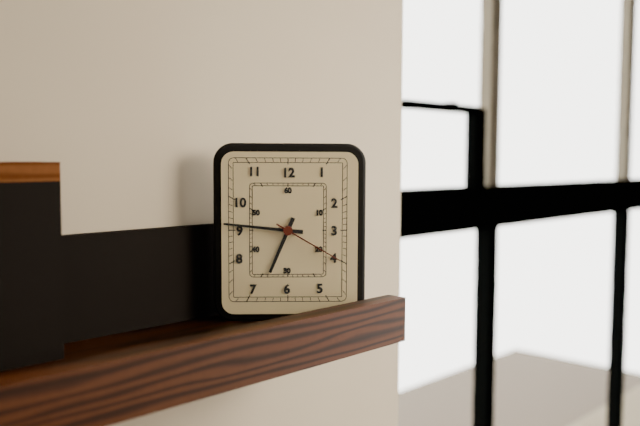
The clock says {"hour": 6, "minute": 46, "second": 20}
